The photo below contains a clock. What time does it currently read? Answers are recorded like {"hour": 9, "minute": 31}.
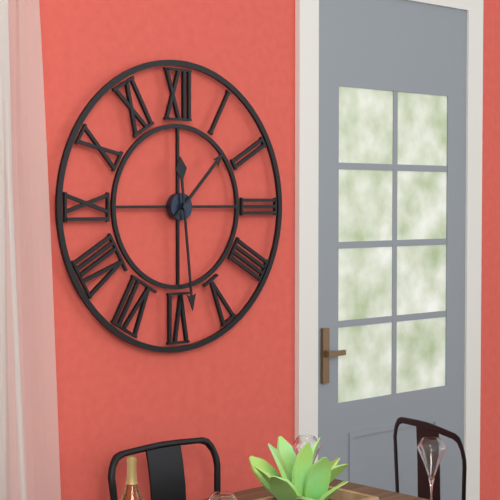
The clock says {"hour": 1, "minute": 29}
